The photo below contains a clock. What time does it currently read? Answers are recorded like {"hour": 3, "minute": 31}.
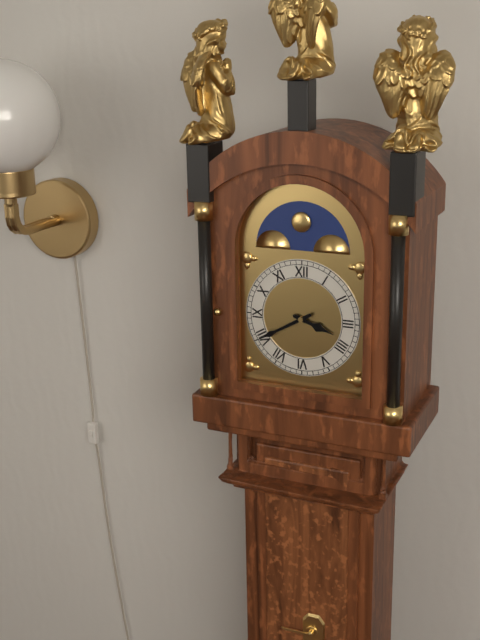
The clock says {"hour": 3, "minute": 40}
